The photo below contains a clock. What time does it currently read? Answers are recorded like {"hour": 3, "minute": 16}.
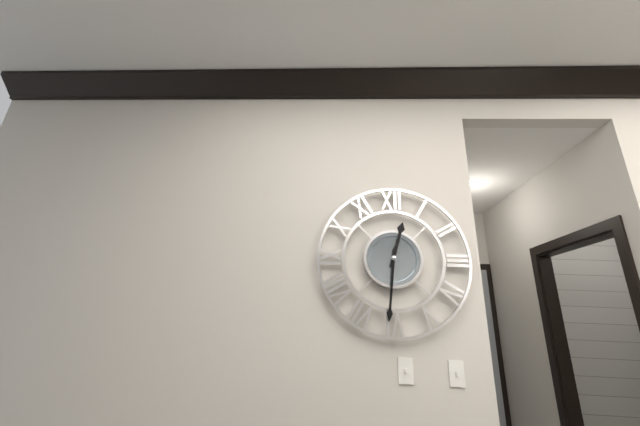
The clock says {"hour": 12, "minute": 31}
